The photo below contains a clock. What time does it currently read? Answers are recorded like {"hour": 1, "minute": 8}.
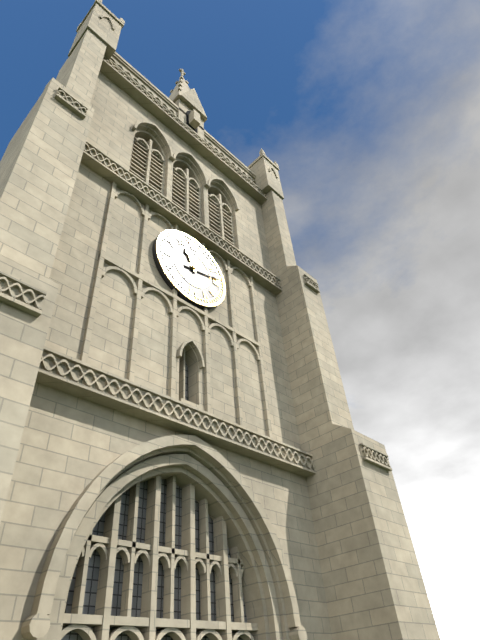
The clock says {"hour": 11, "minute": 13}
